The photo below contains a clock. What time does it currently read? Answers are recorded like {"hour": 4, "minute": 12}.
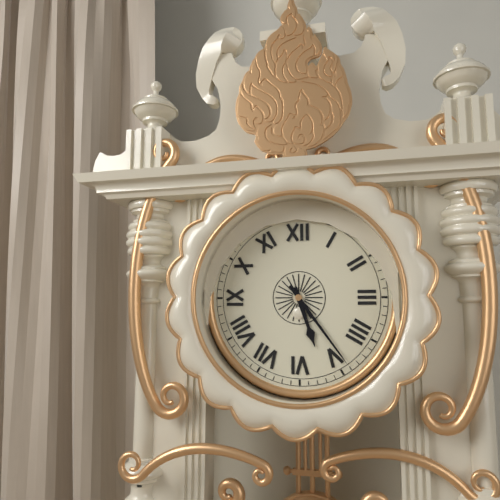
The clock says {"hour": 5, "minute": 24}
